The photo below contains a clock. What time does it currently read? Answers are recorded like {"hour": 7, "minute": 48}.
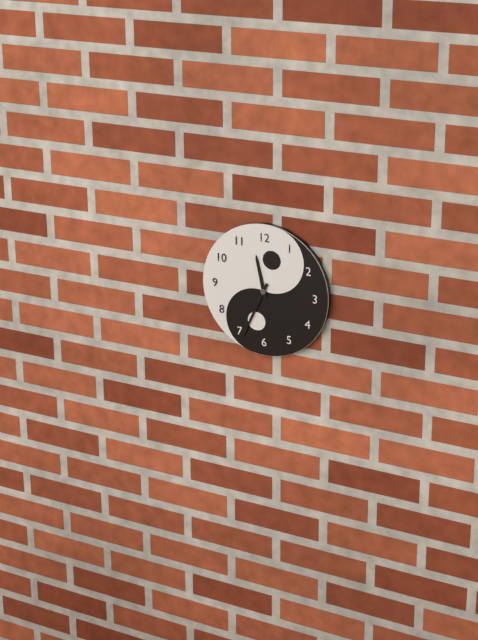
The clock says {"hour": 11, "minute": 34}
